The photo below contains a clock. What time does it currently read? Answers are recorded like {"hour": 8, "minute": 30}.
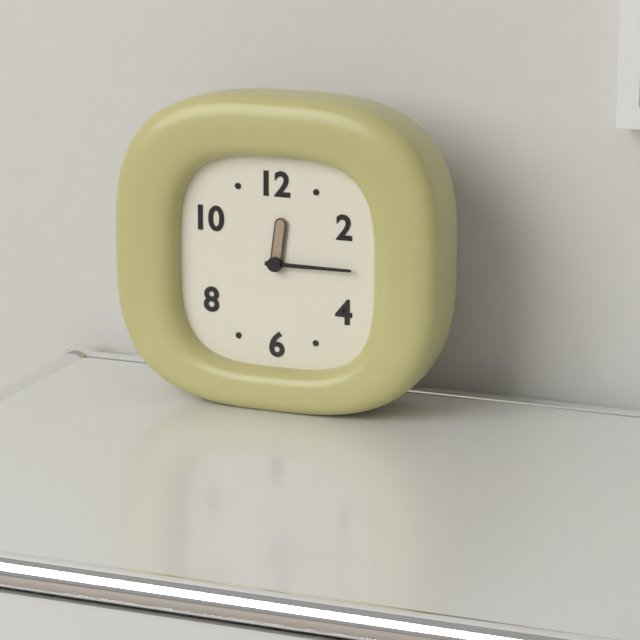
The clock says {"hour": 12, "minute": 15}
